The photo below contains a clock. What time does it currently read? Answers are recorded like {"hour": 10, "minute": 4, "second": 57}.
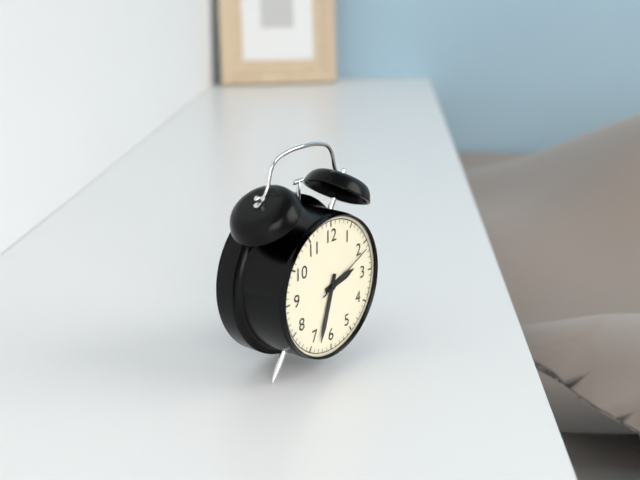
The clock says {"hour": 2, "minute": 33, "second": 11}
